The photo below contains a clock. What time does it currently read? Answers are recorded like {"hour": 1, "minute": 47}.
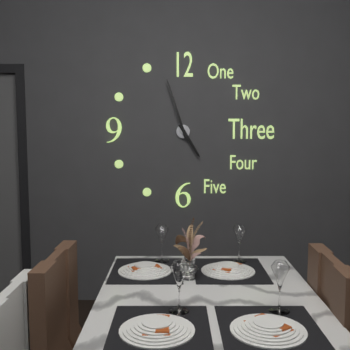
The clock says {"hour": 4, "minute": 57}
